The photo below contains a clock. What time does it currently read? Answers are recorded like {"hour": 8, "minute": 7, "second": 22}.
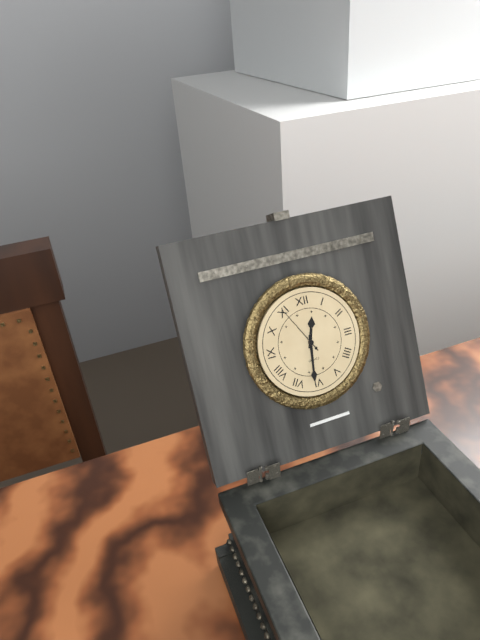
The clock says {"hour": 12, "minute": 31, "second": 55}
